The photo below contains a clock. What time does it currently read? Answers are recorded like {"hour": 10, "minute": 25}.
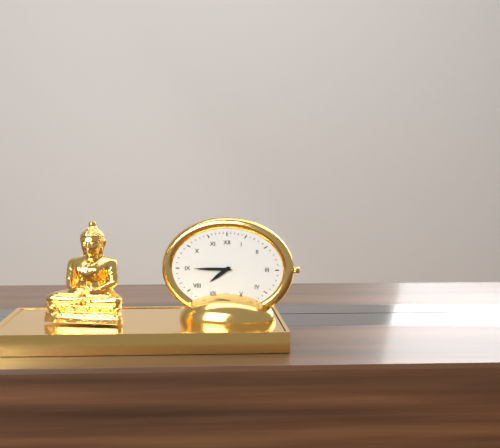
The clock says {"hour": 7, "minute": 45}
